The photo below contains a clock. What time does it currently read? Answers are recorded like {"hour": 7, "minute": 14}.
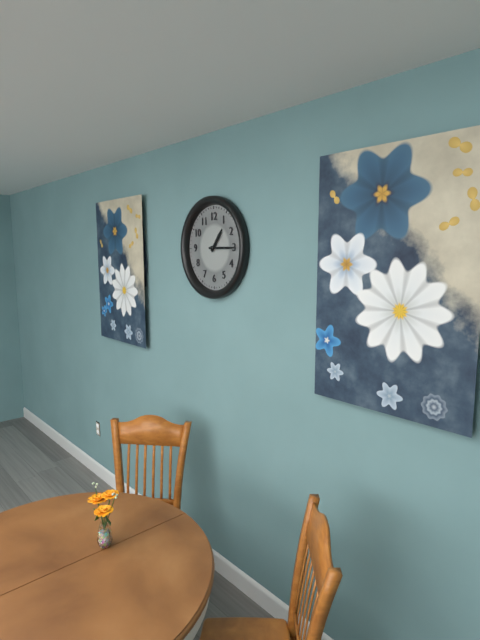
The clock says {"hour": 1, "minute": 15}
